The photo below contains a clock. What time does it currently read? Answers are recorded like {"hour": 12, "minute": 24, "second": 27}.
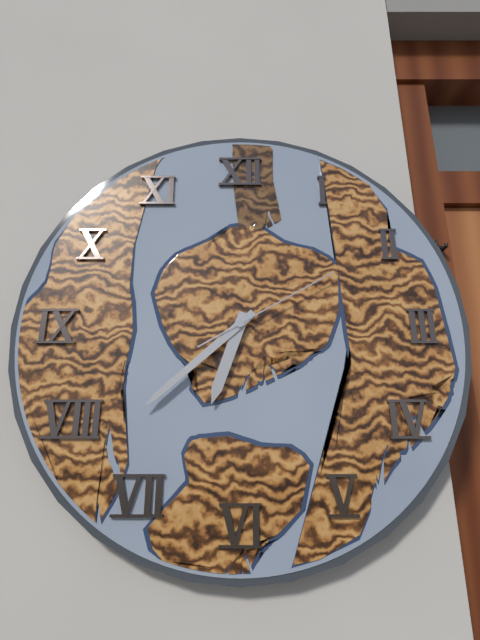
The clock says {"hour": 6, "minute": 38, "second": 10}
